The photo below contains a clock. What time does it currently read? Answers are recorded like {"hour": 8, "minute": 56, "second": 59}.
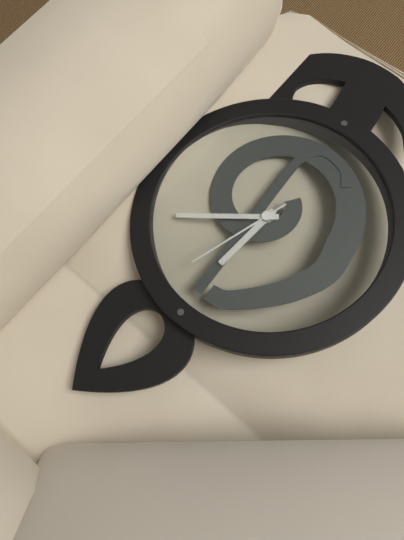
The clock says {"hour": 12, "minute": 9, "second": 3}
